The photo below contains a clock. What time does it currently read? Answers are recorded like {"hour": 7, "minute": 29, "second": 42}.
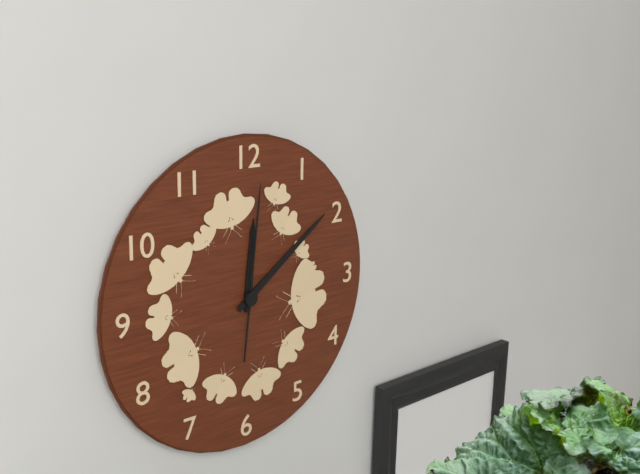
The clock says {"hour": 12, "minute": 9, "second": 1}
